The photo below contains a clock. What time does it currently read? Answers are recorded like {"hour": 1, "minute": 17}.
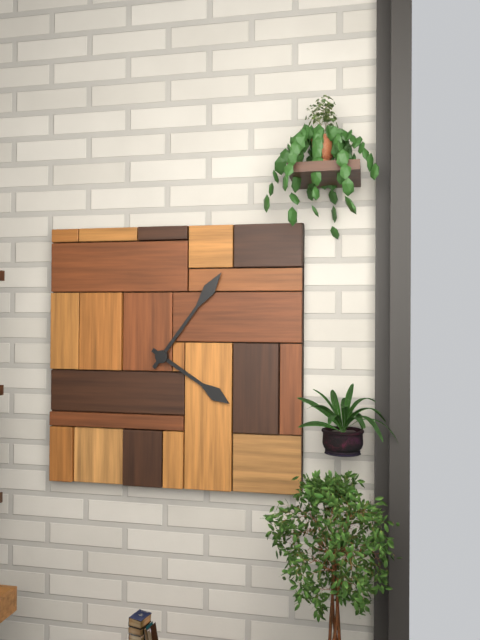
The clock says {"hour": 4, "minute": 6}
